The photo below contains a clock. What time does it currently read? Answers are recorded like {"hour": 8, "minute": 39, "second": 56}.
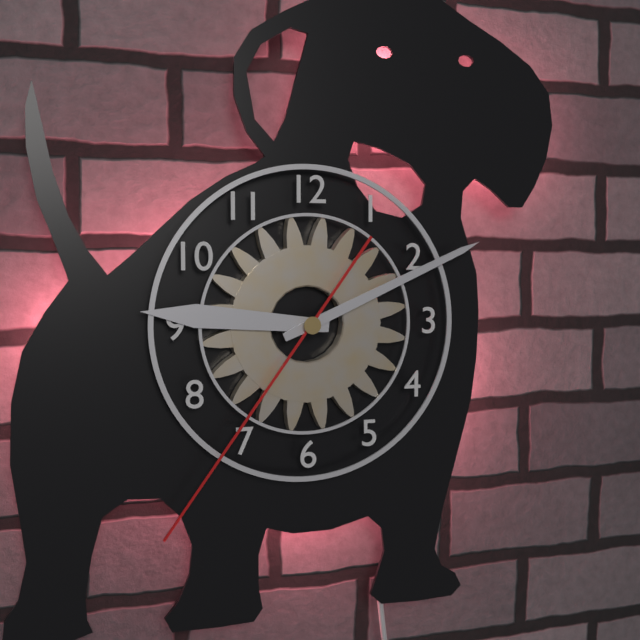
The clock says {"hour": 9, "minute": 11, "second": 36}
